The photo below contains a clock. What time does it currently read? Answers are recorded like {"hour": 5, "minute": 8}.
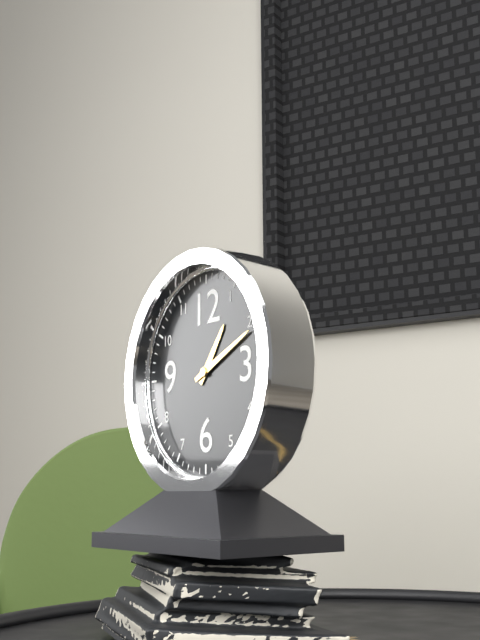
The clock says {"hour": 1, "minute": 11}
